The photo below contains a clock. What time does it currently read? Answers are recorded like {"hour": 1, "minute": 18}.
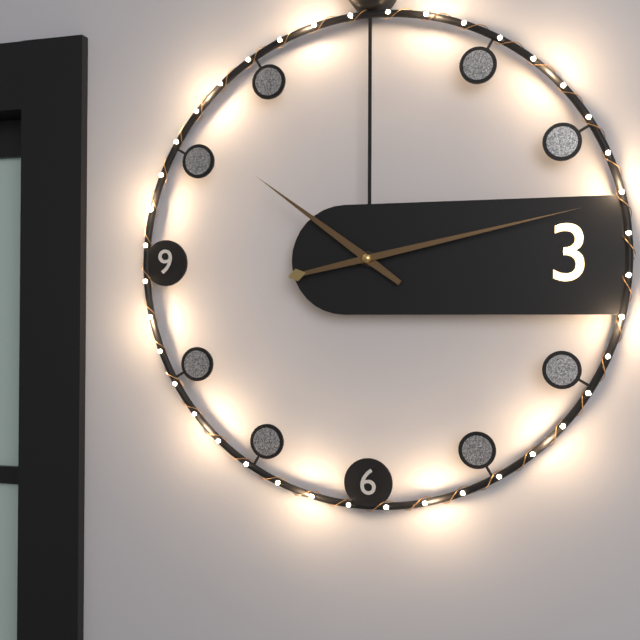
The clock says {"hour": 10, "minute": 13}
